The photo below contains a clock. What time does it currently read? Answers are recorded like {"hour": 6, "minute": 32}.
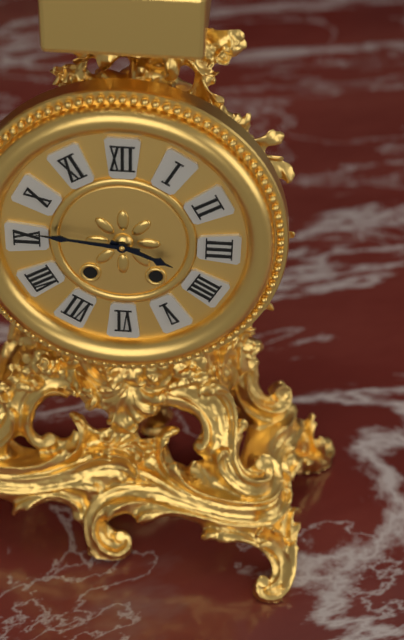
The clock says {"hour": 3, "minute": 46}
